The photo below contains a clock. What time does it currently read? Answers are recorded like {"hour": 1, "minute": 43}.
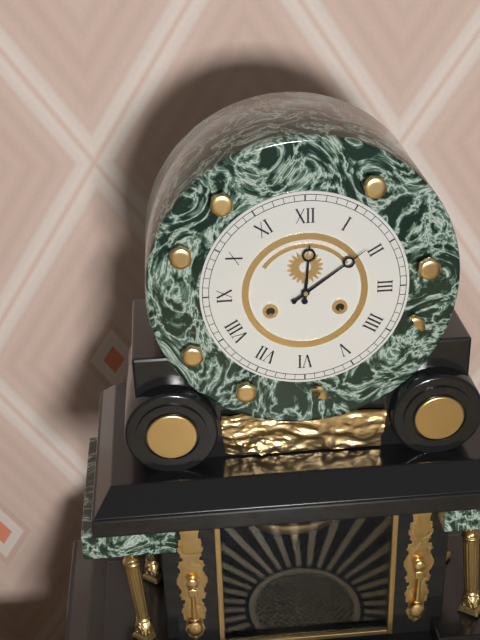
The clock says {"hour": 12, "minute": 9}
